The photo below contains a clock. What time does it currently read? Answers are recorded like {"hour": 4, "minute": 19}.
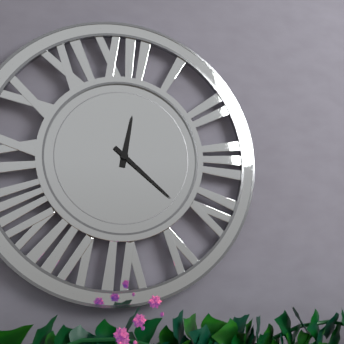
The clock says {"hour": 12, "minute": 22}
